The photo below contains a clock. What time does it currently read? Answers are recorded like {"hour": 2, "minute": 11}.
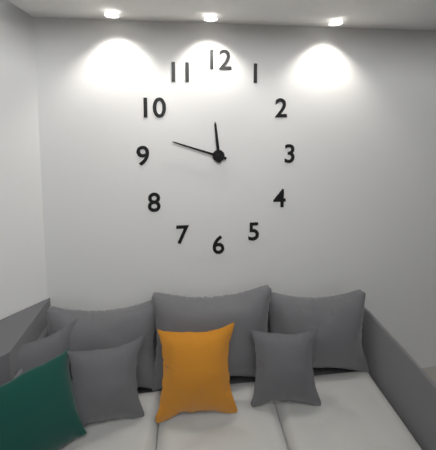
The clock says {"hour": 11, "minute": 48}
